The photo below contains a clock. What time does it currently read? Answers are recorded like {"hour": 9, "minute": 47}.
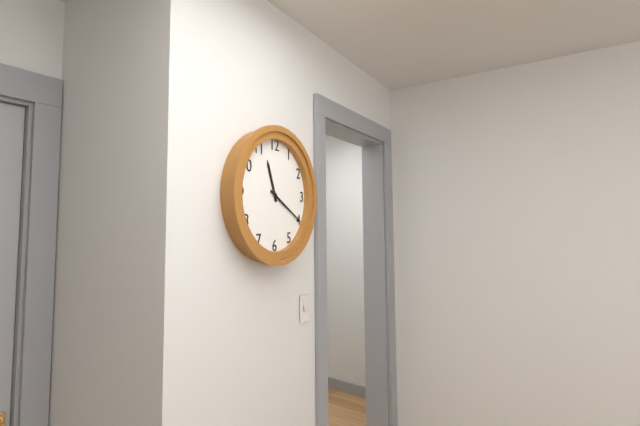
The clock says {"hour": 11, "minute": 20}
